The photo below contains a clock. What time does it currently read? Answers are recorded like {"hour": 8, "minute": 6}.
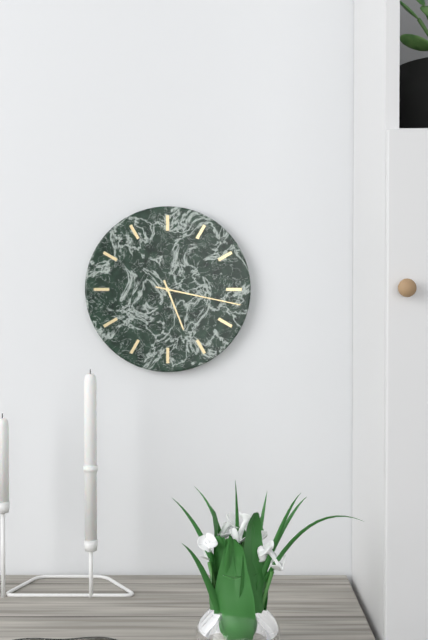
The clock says {"hour": 5, "minute": 17}
